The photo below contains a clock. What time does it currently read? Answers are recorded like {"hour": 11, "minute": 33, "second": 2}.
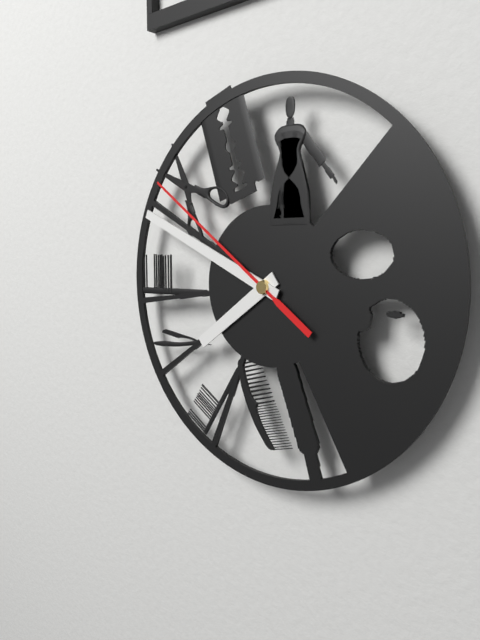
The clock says {"hour": 7, "minute": 49, "second": 51}
